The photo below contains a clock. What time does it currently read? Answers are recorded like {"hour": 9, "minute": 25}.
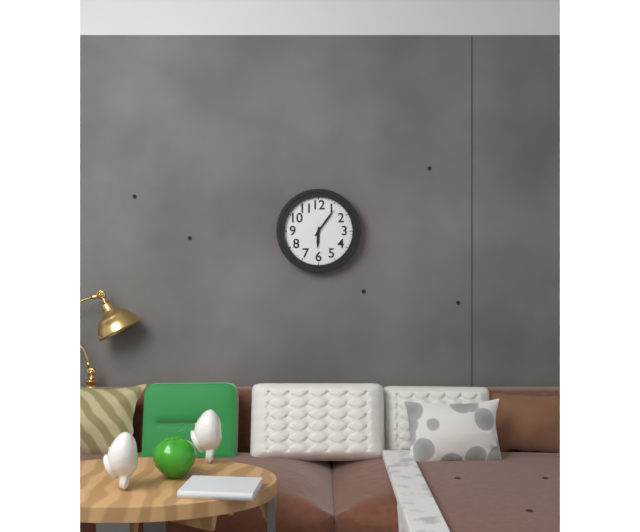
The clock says {"hour": 6, "minute": 6}
